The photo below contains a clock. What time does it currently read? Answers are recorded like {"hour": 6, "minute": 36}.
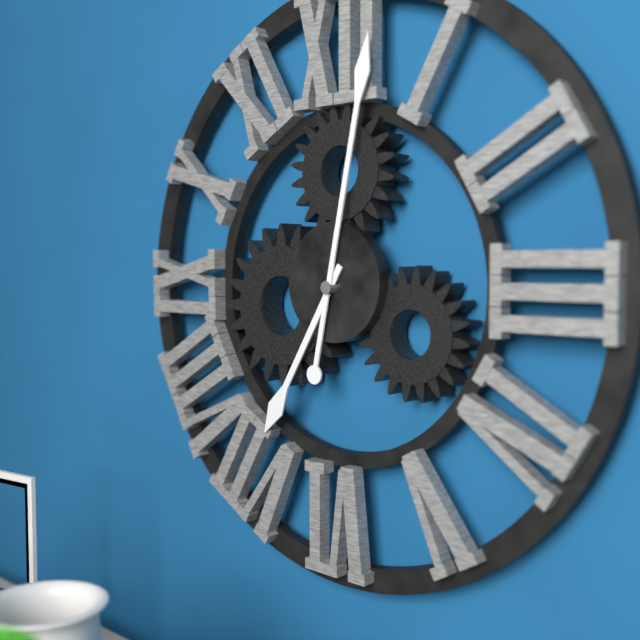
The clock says {"hour": 7, "minute": 2}
